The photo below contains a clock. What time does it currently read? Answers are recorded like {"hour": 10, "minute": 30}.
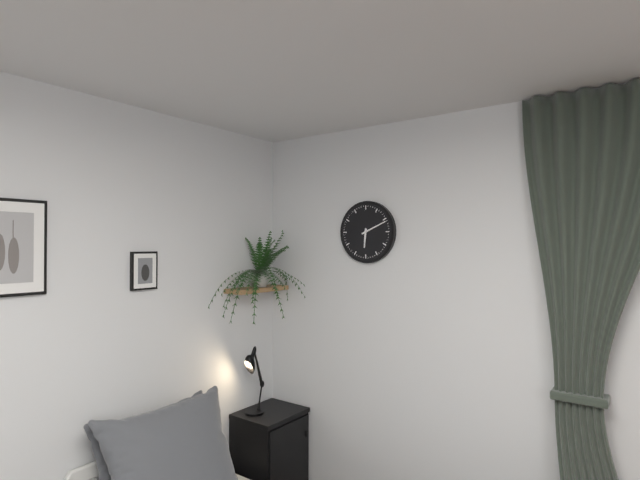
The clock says {"hour": 6, "minute": 11}
